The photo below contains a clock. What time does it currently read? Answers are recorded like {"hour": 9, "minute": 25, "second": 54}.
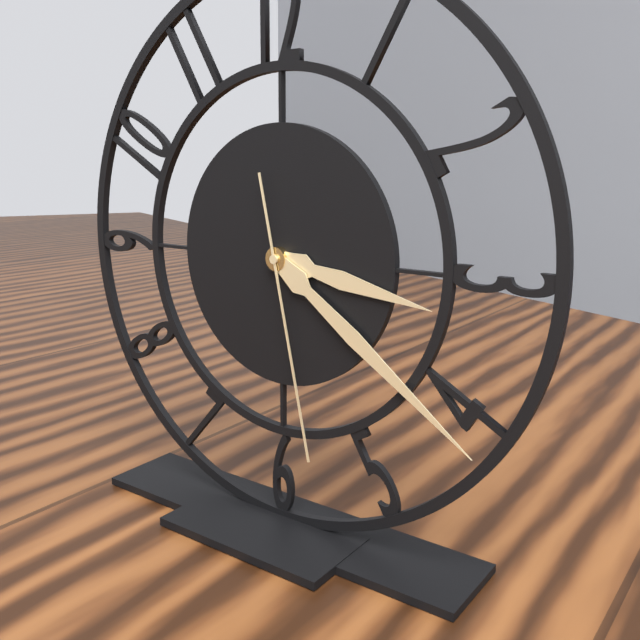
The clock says {"hour": 3, "minute": 21, "second": 28}
